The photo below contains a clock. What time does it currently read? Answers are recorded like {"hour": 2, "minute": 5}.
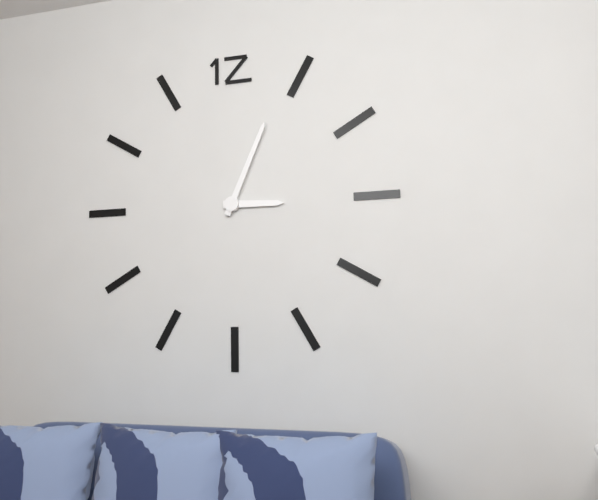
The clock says {"hour": 3, "minute": 4}
